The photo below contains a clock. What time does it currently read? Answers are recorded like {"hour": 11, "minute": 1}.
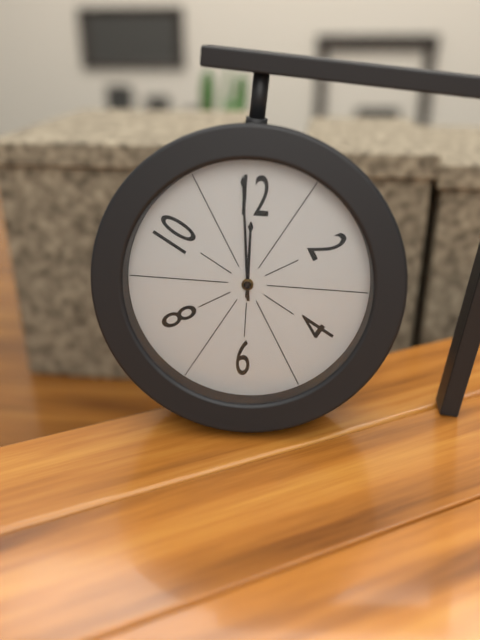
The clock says {"hour": 11, "minute": 59}
